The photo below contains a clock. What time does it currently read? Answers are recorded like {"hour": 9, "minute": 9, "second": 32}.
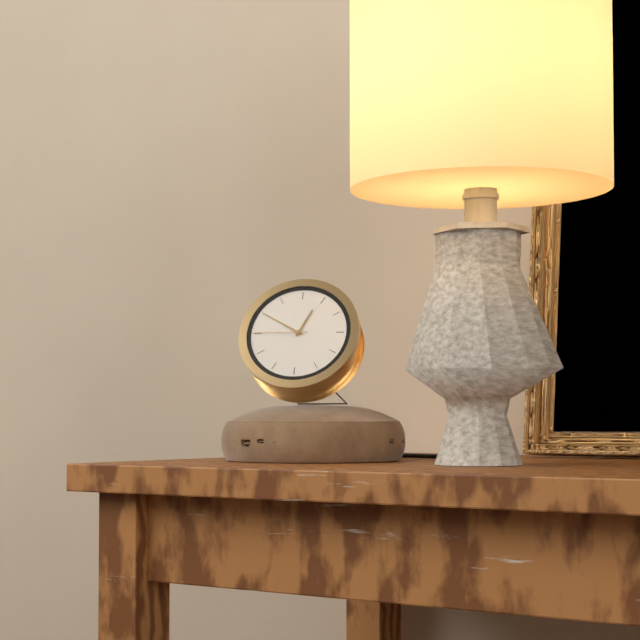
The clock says {"hour": 12, "minute": 50, "second": 45}
